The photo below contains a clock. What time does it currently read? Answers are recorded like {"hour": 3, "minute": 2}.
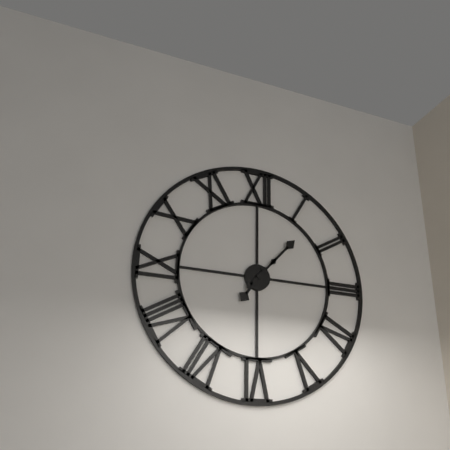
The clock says {"hour": 7, "minute": 7}
